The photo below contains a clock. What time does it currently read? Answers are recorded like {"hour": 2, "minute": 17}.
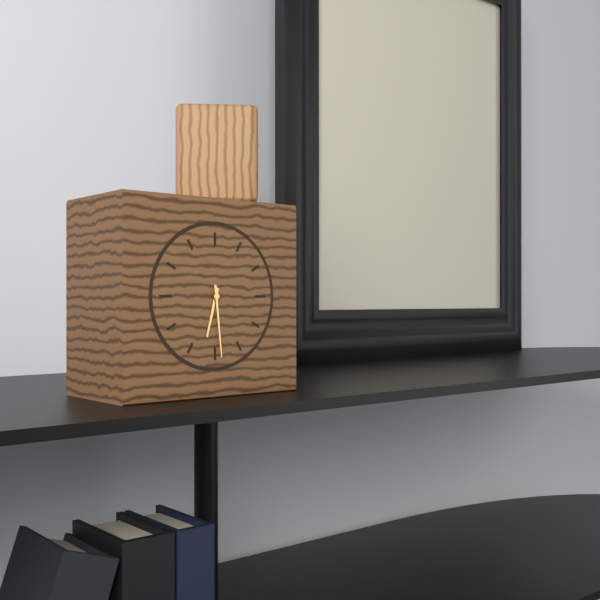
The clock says {"hour": 6, "minute": 29}
